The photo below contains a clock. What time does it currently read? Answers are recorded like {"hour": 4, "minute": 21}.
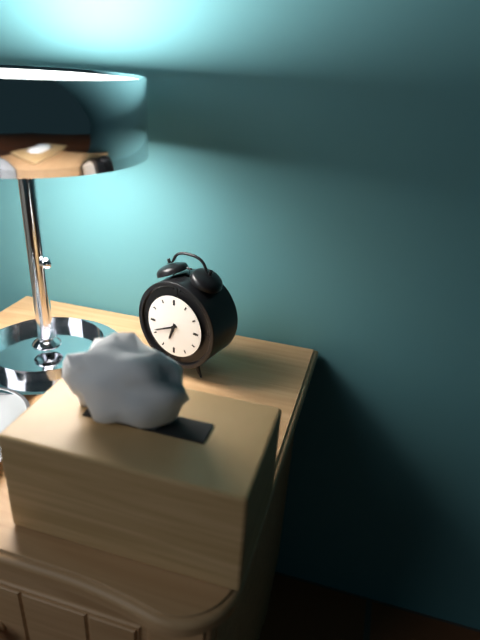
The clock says {"hour": 6, "minute": 41}
